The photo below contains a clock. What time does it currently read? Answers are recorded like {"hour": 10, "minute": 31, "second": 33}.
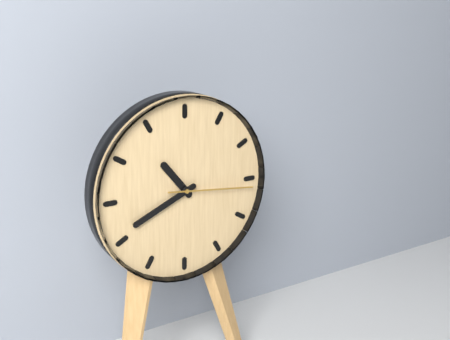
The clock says {"hour": 10, "minute": 41, "second": 16}
